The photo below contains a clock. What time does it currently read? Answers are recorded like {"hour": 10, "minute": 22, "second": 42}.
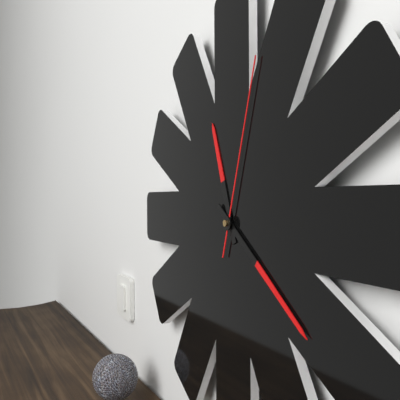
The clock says {"hour": 11, "minute": 21, "second": 3}
